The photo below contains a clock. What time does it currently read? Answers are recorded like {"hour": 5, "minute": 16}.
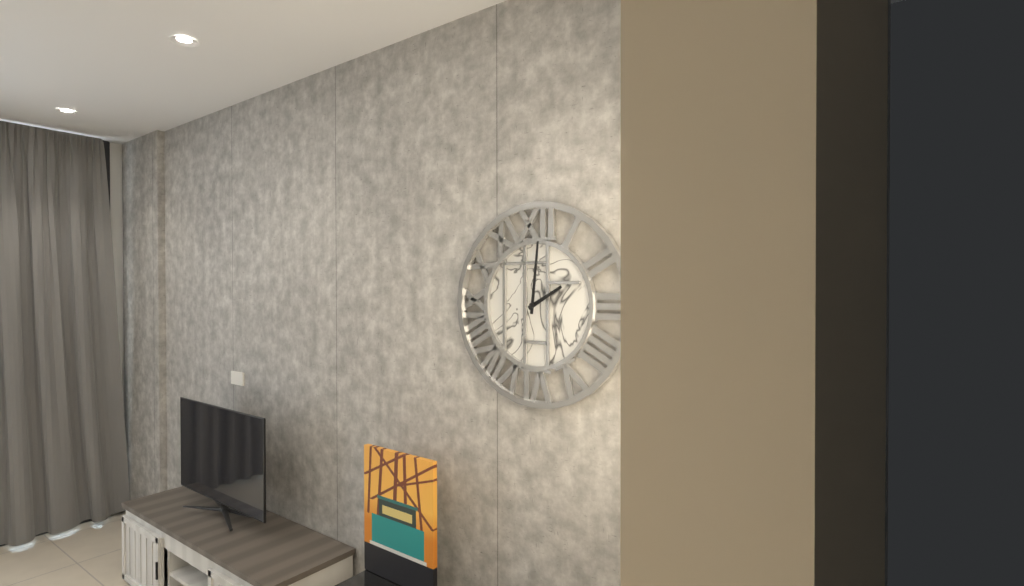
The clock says {"hour": 2, "minute": 1}
